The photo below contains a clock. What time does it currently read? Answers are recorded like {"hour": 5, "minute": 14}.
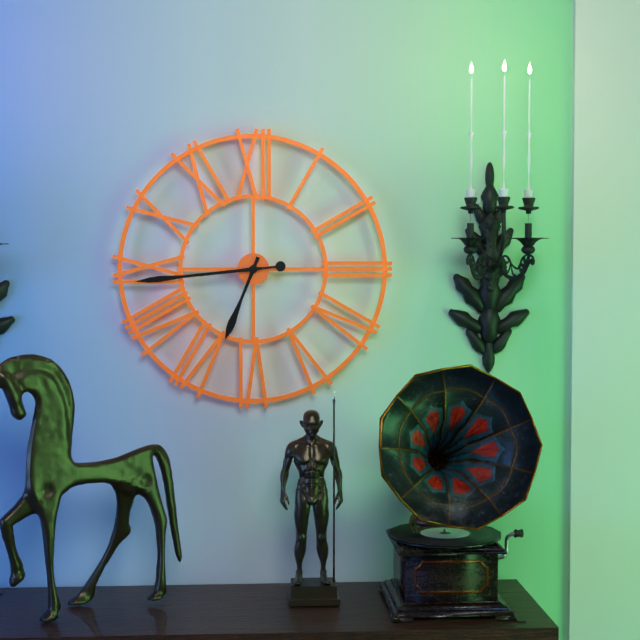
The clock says {"hour": 6, "minute": 44}
